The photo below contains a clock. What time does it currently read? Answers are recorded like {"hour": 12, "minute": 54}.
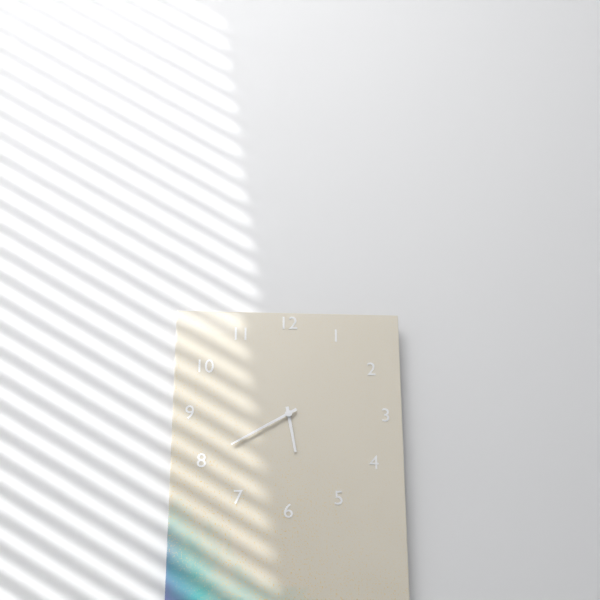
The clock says {"hour": 5, "minute": 40}
